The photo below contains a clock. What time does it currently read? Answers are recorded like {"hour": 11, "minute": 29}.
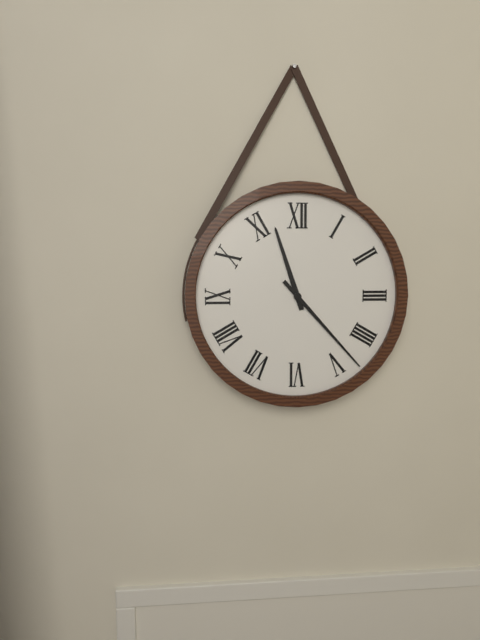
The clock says {"hour": 11, "minute": 23}
